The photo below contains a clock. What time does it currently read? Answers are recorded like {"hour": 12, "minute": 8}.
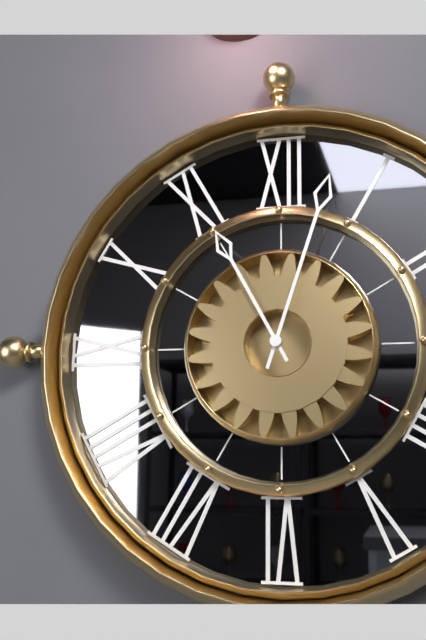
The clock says {"hour": 11, "minute": 3}
